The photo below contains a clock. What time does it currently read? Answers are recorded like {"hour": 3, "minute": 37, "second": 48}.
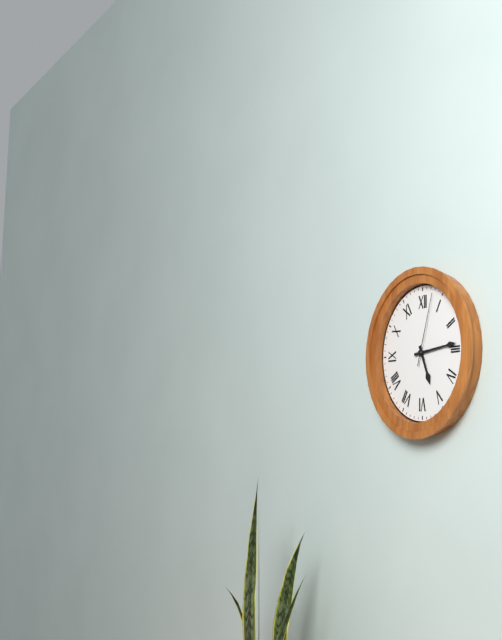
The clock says {"hour": 5, "minute": 14, "second": 3}
